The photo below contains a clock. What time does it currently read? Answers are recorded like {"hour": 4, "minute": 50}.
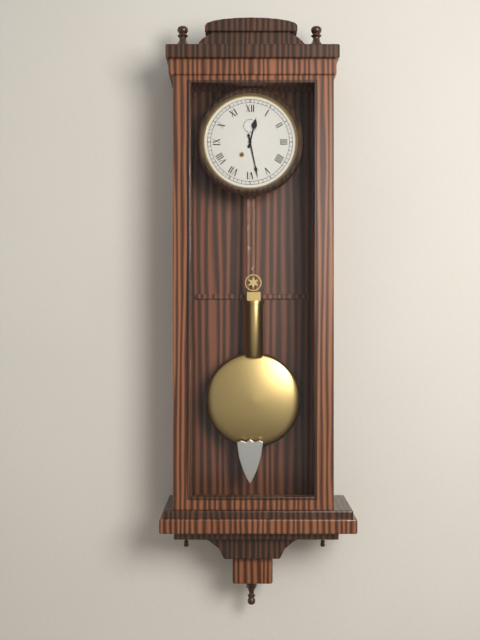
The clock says {"hour": 12, "minute": 28}
